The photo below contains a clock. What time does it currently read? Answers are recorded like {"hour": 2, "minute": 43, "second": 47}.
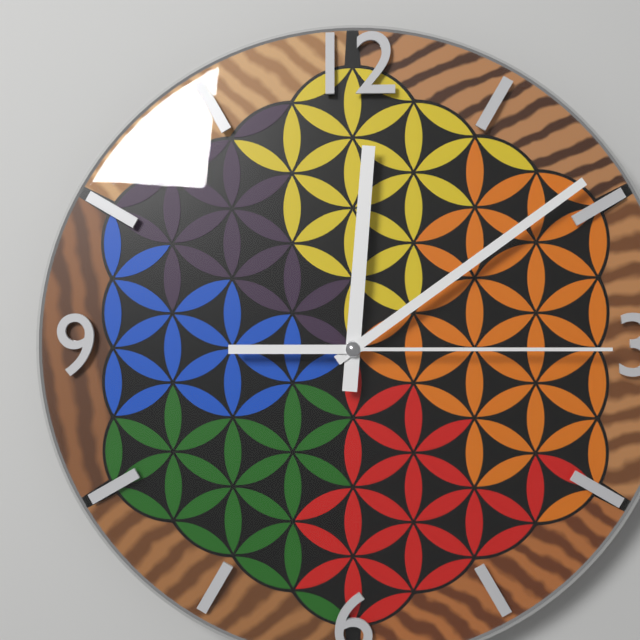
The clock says {"hour": 12, "minute": 9, "second": 15}
